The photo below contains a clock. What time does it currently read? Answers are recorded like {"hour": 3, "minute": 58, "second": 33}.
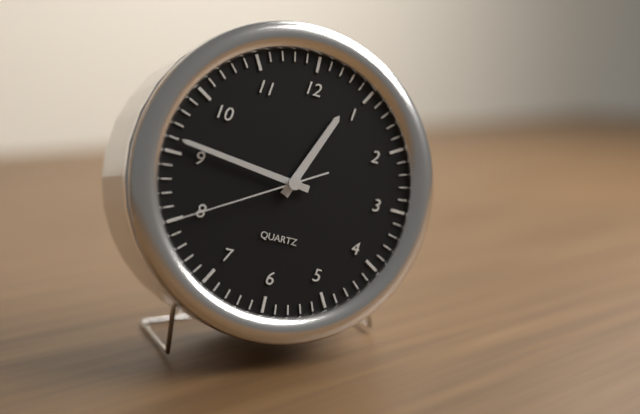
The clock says {"hour": 12, "minute": 46, "second": 40}
